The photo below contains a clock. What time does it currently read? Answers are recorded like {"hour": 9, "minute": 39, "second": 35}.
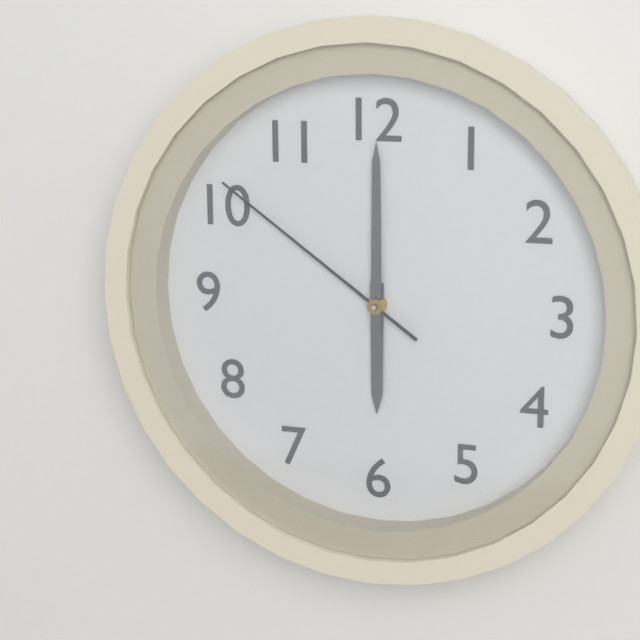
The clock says {"hour": 6, "minute": 0, "second": 51}
